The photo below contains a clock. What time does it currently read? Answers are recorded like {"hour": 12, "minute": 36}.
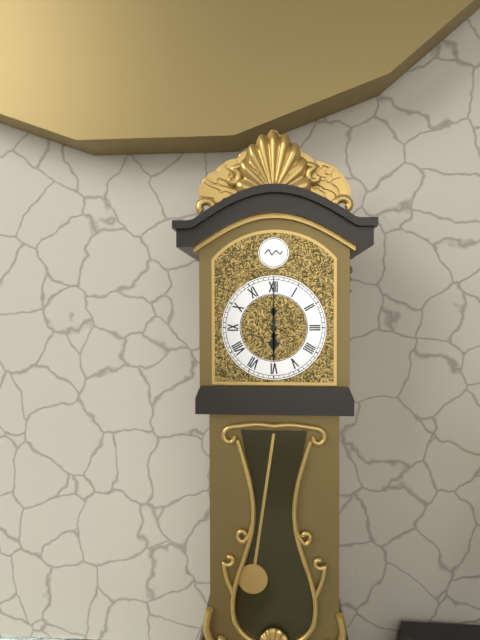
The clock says {"hour": 6, "minute": 0}
